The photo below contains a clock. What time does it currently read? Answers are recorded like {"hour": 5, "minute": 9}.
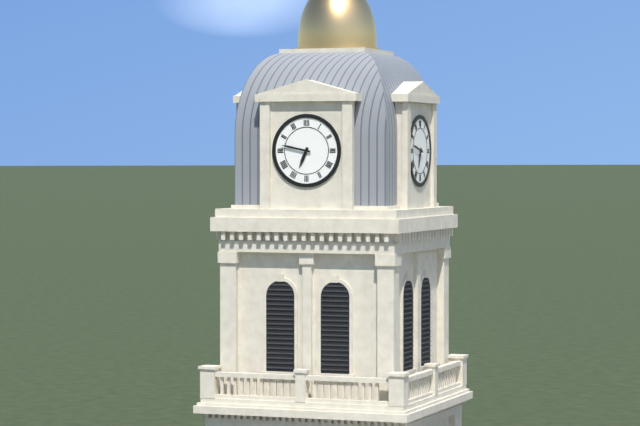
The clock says {"hour": 6, "minute": 47}
